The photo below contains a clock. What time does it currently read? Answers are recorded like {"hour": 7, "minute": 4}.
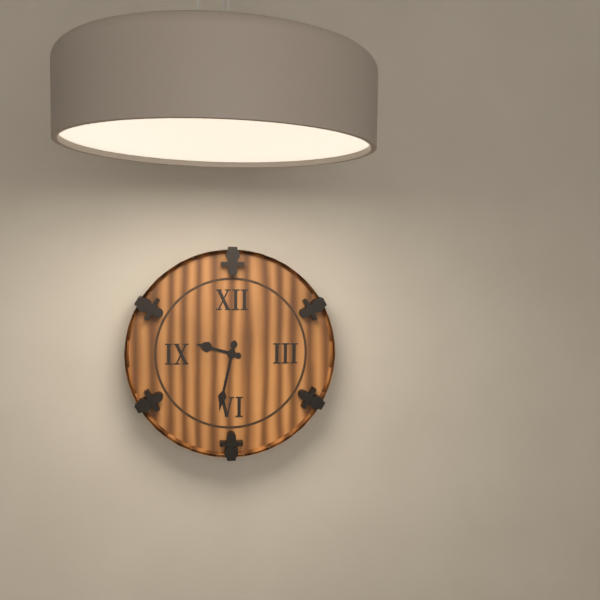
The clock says {"hour": 9, "minute": 32}
